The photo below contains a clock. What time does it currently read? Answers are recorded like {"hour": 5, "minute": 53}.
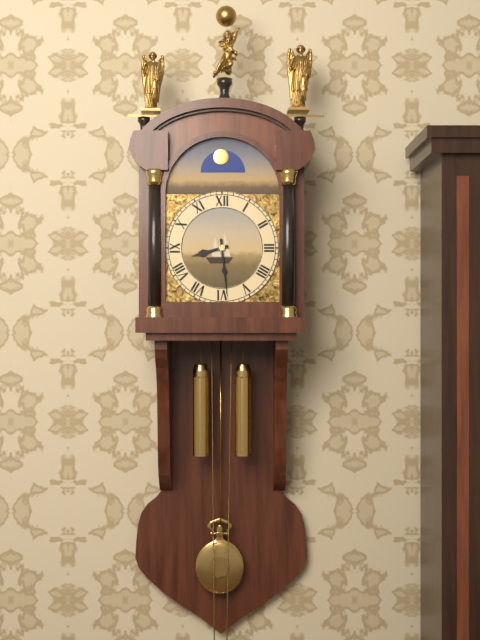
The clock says {"hour": 8, "minute": 29}
